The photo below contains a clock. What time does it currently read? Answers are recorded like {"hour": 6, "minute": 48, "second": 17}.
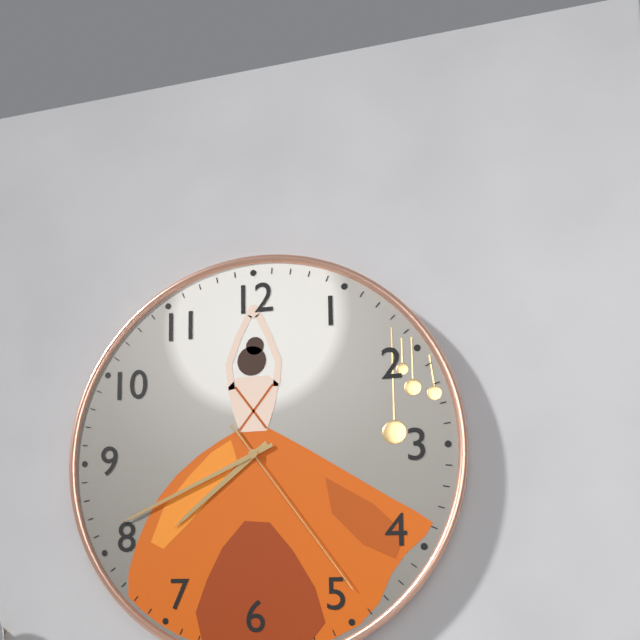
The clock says {"hour": 7, "minute": 41, "second": 24}
